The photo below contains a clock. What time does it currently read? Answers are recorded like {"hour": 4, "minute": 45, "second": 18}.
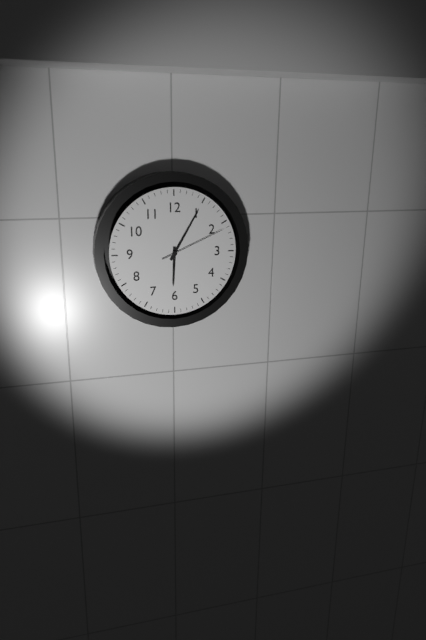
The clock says {"hour": 6, "minute": 5, "second": 11}
